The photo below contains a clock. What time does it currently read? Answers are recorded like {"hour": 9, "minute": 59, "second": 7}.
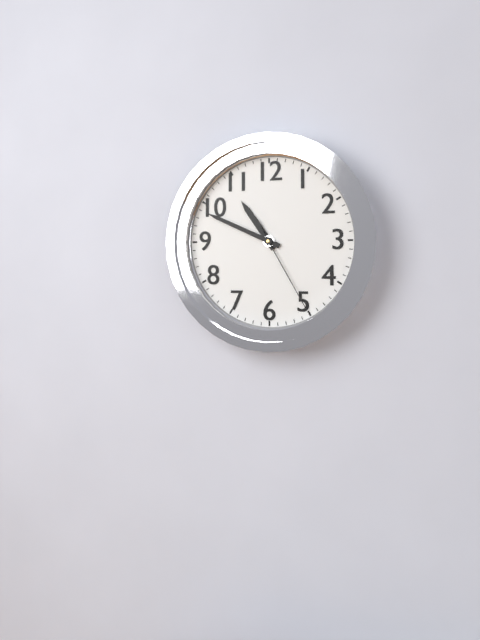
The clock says {"hour": 10, "minute": 49, "second": 25}
